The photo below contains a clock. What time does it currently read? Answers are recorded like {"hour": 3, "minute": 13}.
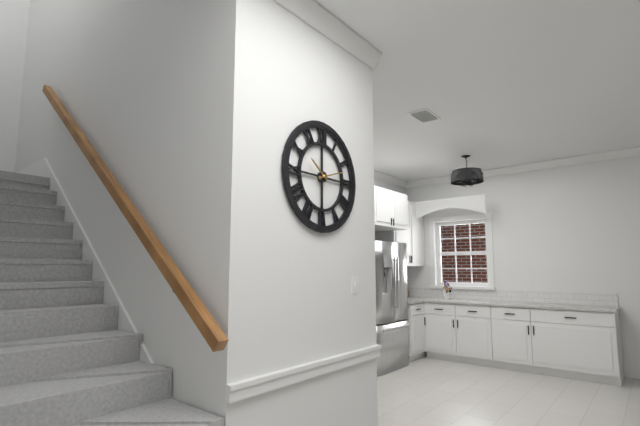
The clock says {"hour": 10, "minute": 12}
